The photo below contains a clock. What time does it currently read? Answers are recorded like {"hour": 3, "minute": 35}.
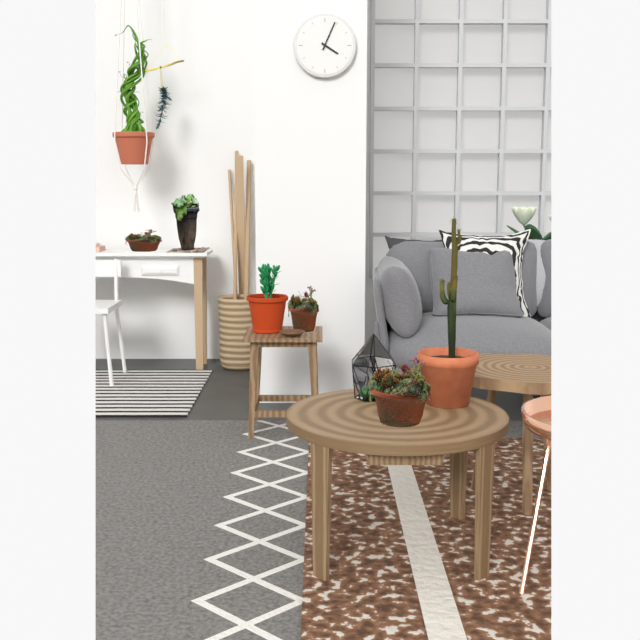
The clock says {"hour": 4, "minute": 4}
